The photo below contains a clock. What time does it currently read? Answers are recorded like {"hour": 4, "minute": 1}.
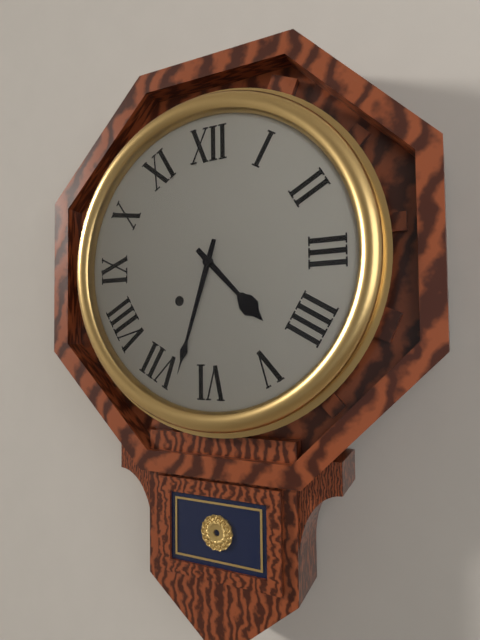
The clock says {"hour": 4, "minute": 33}
